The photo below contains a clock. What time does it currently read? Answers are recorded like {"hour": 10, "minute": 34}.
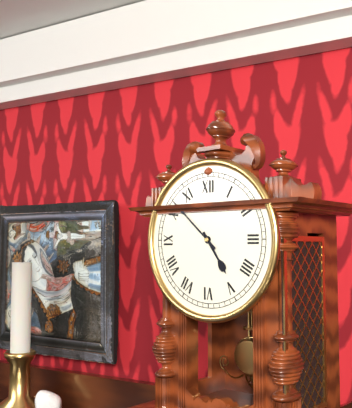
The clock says {"hour": 4, "minute": 52}
